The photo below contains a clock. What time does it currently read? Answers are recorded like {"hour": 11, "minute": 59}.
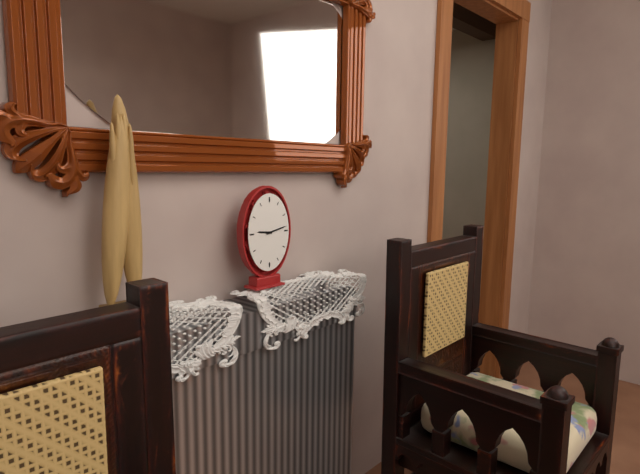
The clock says {"hour": 9, "minute": 13}
